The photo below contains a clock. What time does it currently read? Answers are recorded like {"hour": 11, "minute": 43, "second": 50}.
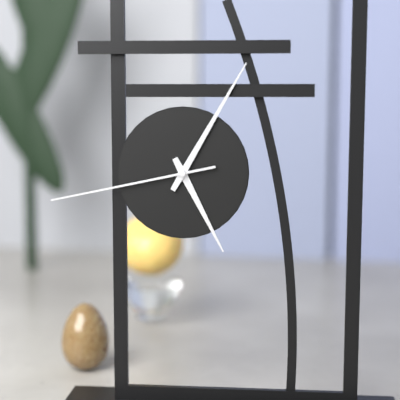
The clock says {"hour": 5, "minute": 5, "second": 43}
